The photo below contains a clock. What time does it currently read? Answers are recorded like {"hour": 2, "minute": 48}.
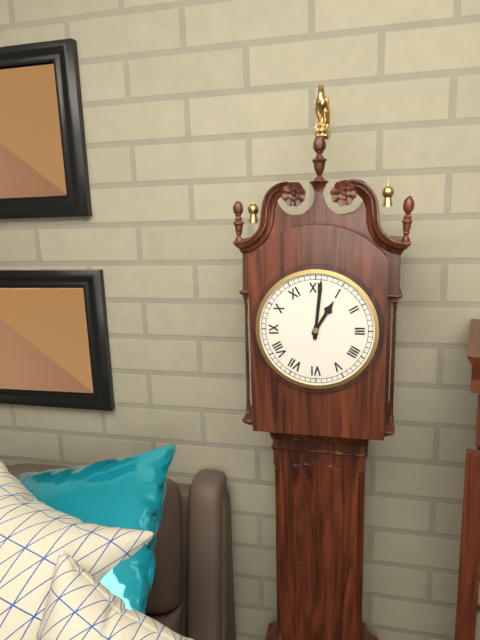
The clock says {"hour": 1, "minute": 1}
